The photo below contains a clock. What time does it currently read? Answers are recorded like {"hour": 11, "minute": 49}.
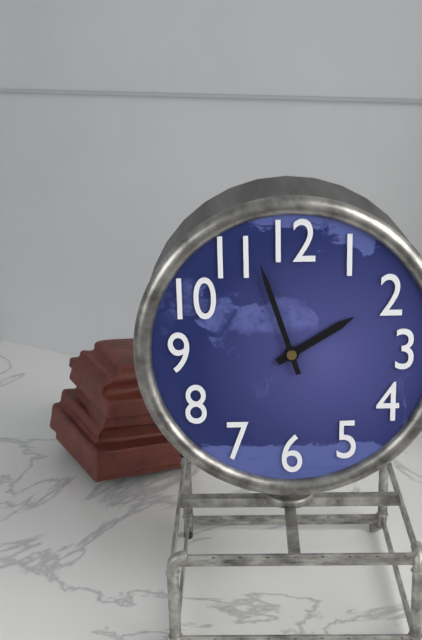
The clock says {"hour": 1, "minute": 57}
